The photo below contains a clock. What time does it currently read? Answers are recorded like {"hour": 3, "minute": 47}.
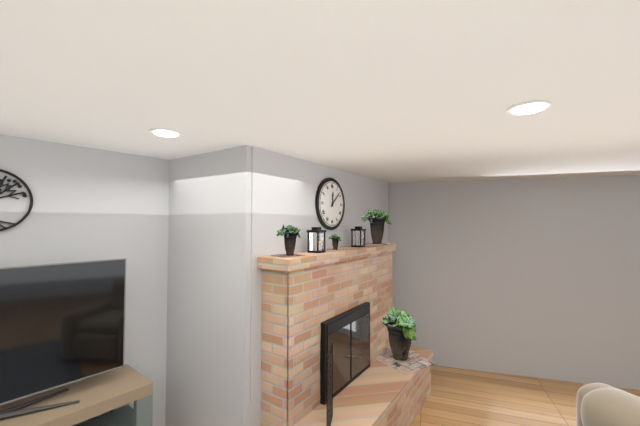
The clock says {"hour": 12, "minute": 8}
